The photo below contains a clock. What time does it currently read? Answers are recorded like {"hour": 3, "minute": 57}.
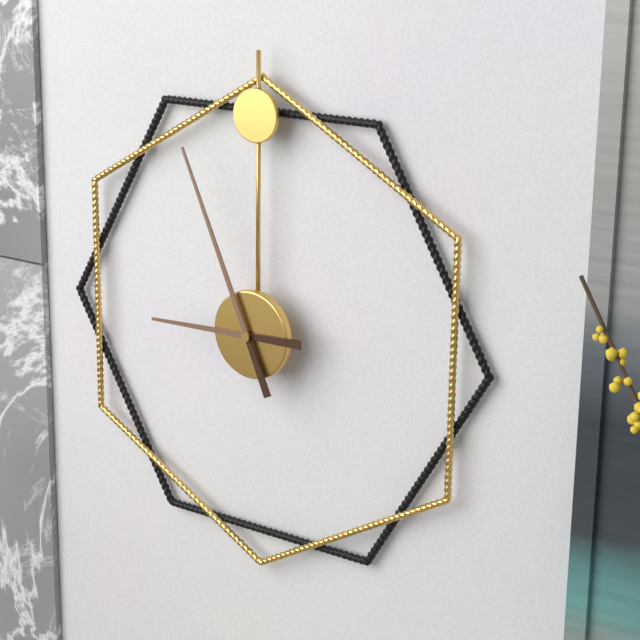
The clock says {"hour": 8, "minute": 56}
